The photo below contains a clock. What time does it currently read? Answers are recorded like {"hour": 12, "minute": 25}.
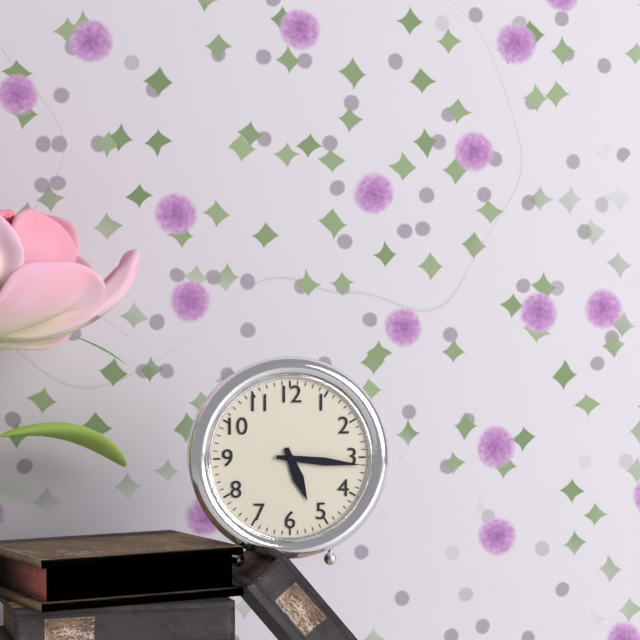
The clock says {"hour": 5, "minute": 16}
